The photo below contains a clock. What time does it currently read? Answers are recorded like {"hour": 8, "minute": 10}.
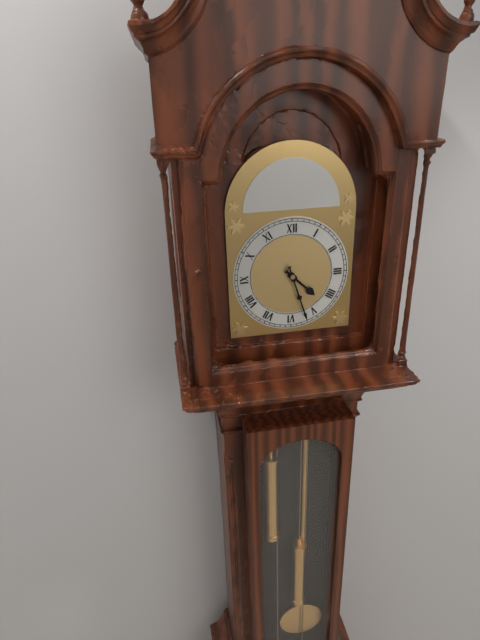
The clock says {"hour": 4, "minute": 27}
